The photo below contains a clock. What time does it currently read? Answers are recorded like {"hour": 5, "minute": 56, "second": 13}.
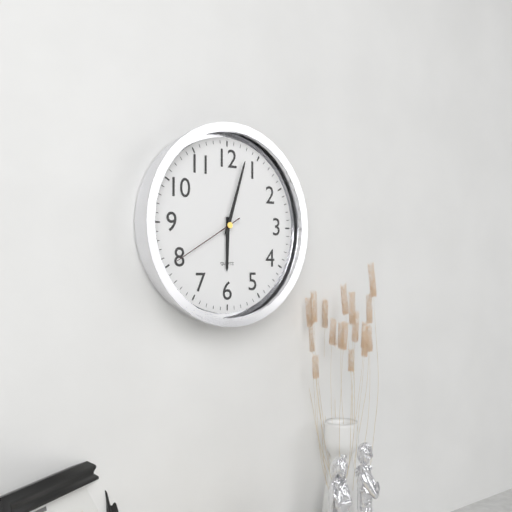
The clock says {"hour": 6, "minute": 3, "second": 40}
